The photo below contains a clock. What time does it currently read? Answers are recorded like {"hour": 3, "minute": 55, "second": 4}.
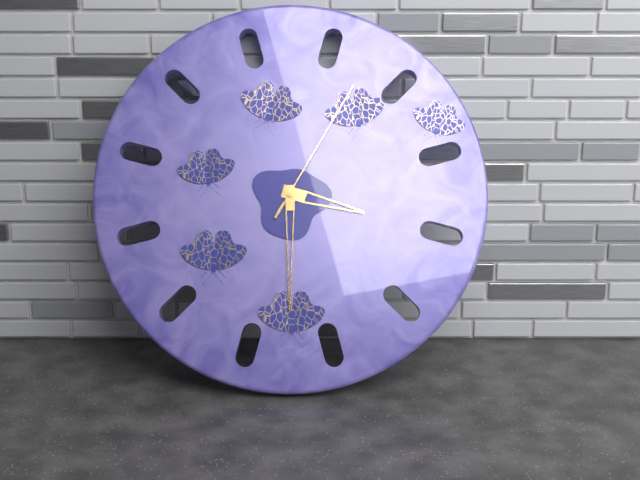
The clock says {"hour": 3, "minute": 30, "second": 5}
